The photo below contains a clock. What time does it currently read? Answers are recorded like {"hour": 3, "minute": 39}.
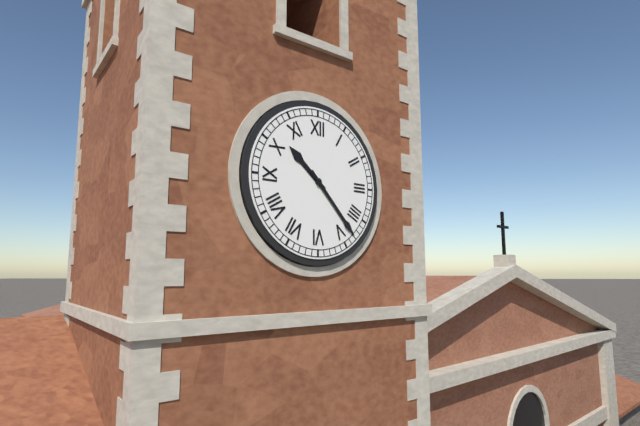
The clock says {"hour": 10, "minute": 23}
